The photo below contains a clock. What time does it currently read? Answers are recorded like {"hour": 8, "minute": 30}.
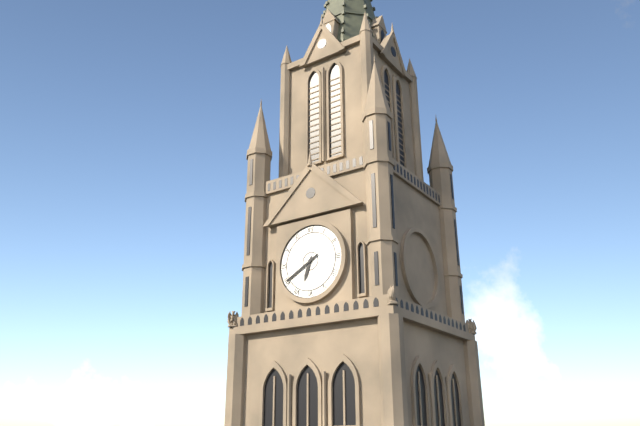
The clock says {"hour": 6, "minute": 40}
